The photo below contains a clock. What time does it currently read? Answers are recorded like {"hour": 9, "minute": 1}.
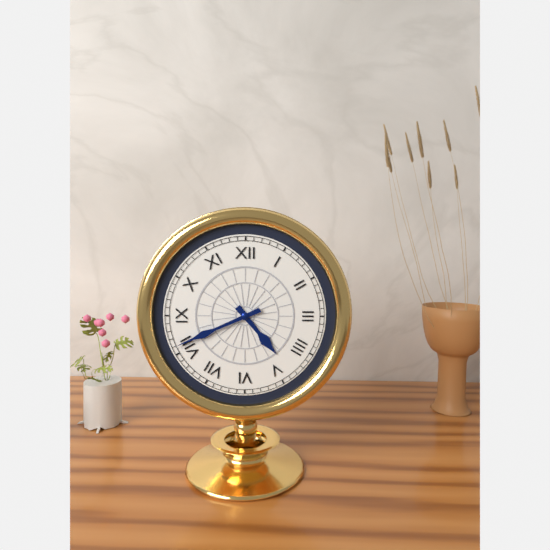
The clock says {"hour": 4, "minute": 41}
